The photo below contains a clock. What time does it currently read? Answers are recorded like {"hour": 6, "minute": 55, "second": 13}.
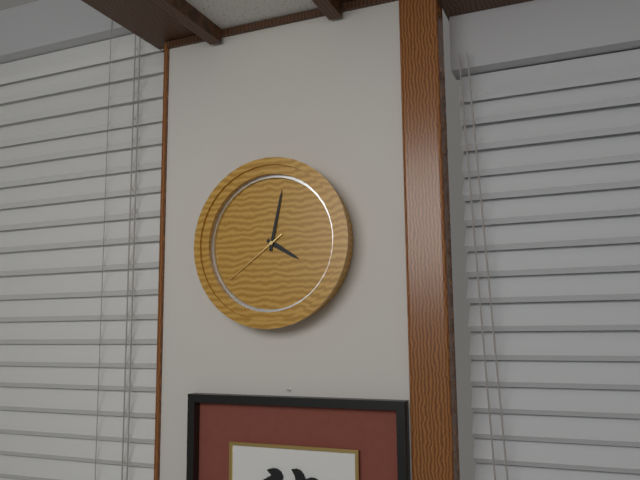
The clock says {"hour": 4, "minute": 2, "second": 39}
